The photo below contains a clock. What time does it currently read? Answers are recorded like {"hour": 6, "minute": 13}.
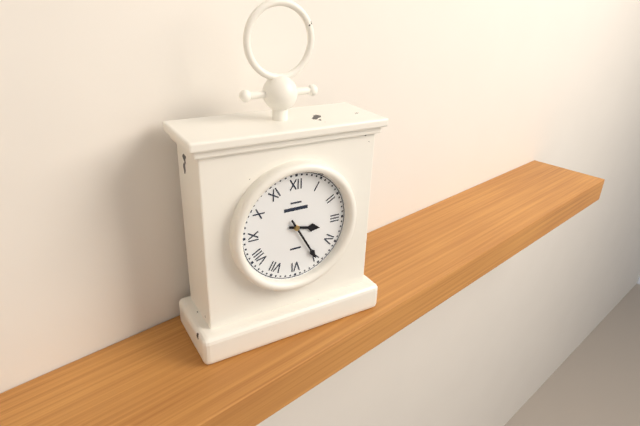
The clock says {"hour": 3, "minute": 25}
